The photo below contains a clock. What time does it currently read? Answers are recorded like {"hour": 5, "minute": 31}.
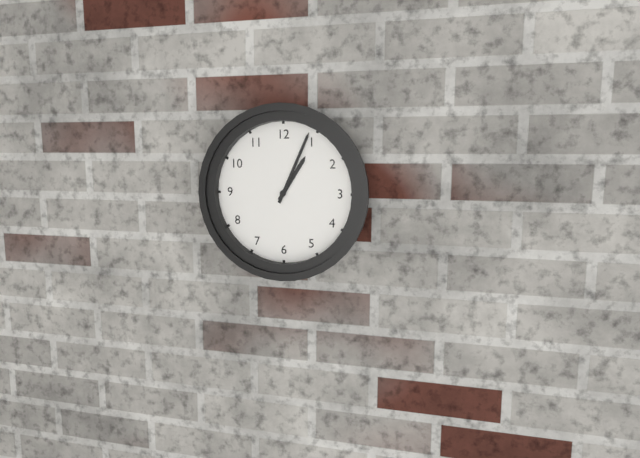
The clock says {"hour": 1, "minute": 4}
